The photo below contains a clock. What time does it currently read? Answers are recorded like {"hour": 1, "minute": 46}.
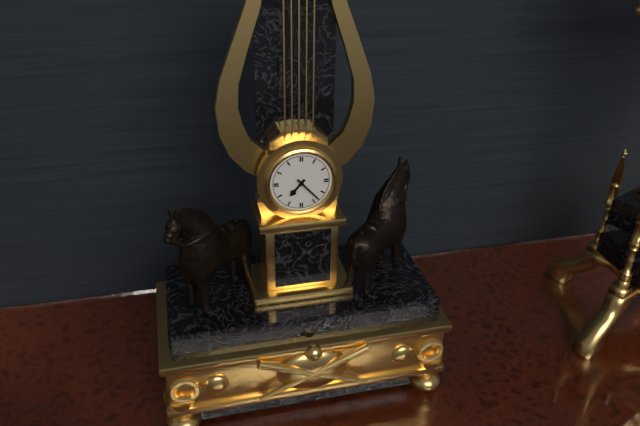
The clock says {"hour": 7, "minute": 23}
